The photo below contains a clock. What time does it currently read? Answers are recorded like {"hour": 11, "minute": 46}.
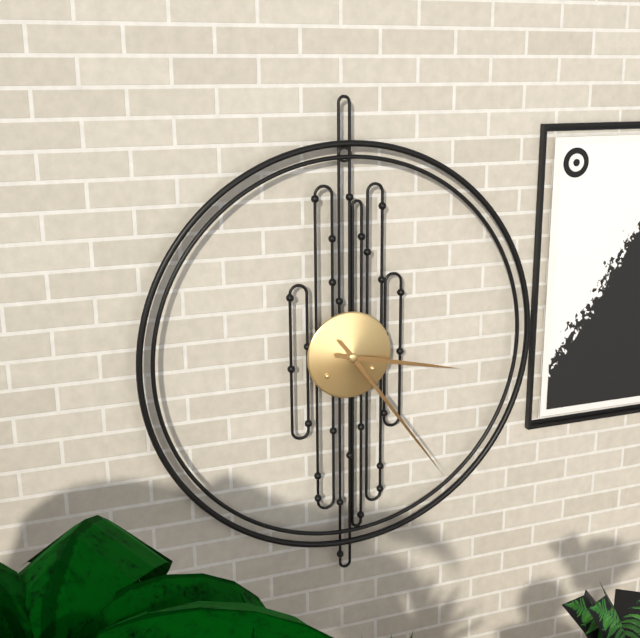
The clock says {"hour": 3, "minute": 24}
